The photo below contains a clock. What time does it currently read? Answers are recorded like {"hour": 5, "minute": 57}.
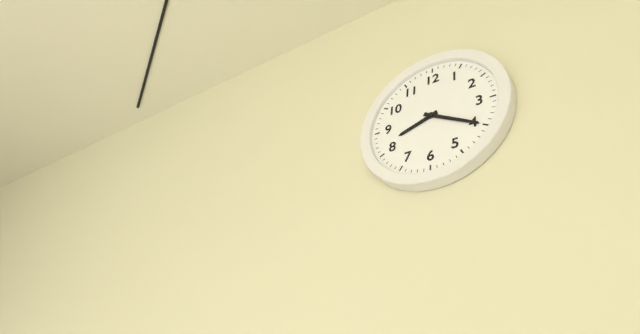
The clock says {"hour": 8, "minute": 20}
